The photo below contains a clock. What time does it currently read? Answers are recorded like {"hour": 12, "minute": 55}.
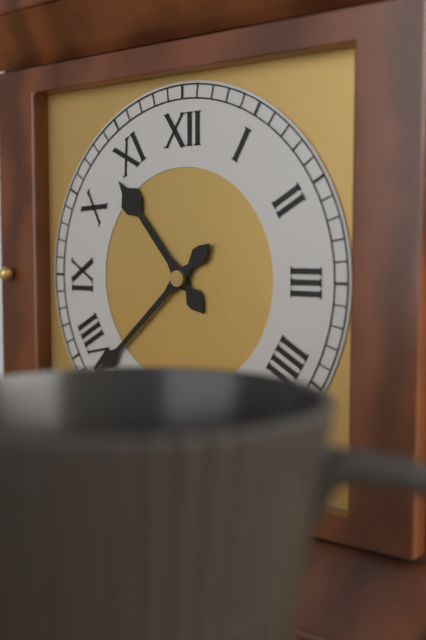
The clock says {"hour": 10, "minute": 38}
